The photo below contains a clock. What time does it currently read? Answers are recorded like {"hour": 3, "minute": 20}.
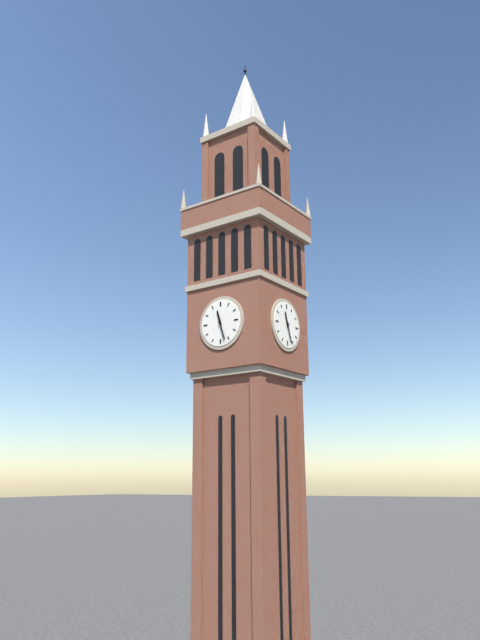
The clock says {"hour": 11, "minute": 27}
